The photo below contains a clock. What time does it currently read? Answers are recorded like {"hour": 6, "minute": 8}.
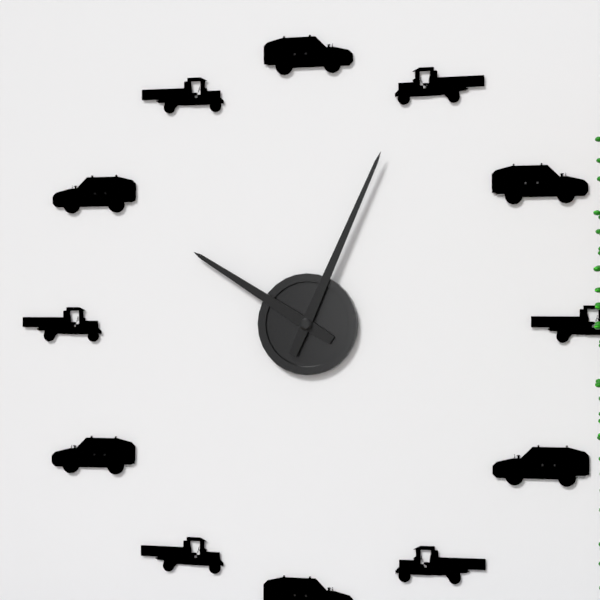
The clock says {"hour": 10, "minute": 4}
